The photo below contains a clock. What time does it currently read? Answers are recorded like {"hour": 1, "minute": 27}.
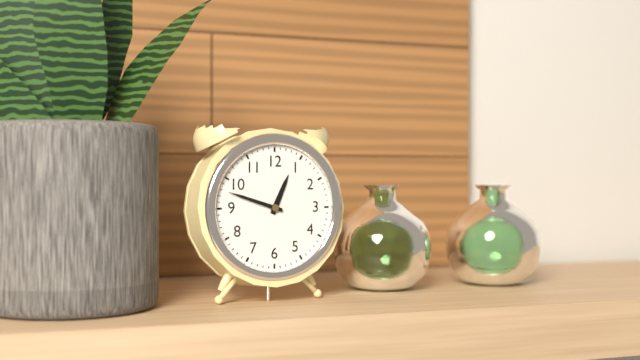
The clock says {"hour": 12, "minute": 48}
